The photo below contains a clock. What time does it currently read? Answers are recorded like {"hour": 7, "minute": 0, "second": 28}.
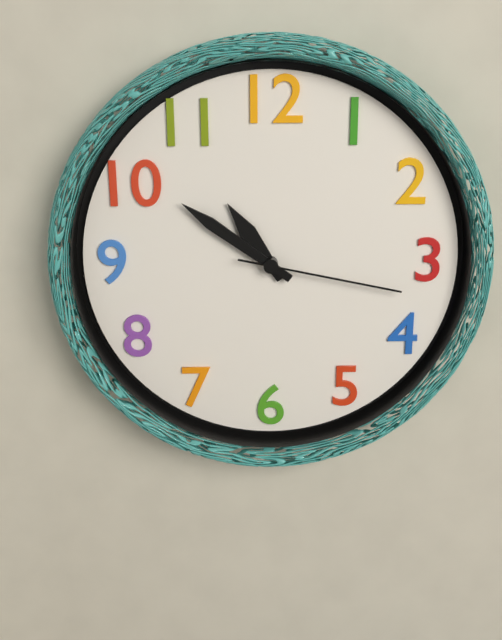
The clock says {"hour": 10, "minute": 51, "second": 17}
